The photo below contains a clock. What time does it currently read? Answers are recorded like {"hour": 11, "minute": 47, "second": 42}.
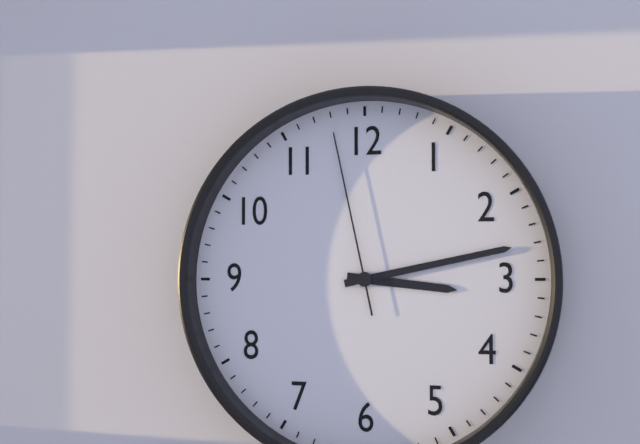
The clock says {"hour": 3, "minute": 13, "second": 58}
